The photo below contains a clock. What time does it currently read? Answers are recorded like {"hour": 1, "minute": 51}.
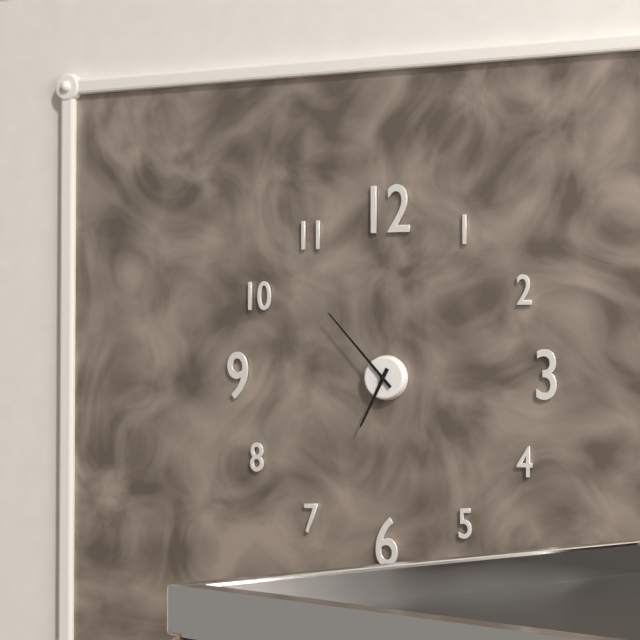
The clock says {"hour": 6, "minute": 53}
